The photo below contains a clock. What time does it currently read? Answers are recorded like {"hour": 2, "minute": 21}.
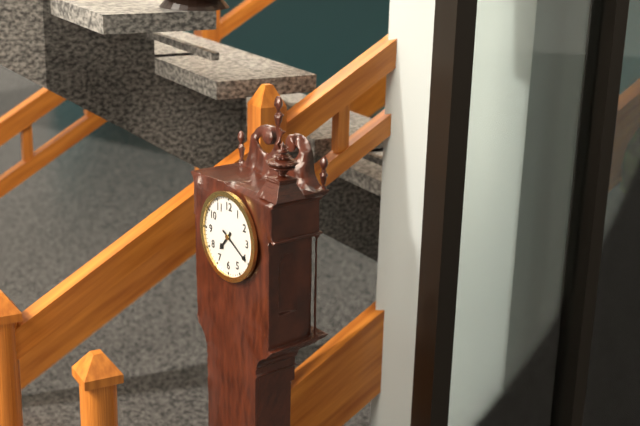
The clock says {"hour": 7, "minute": 20}
